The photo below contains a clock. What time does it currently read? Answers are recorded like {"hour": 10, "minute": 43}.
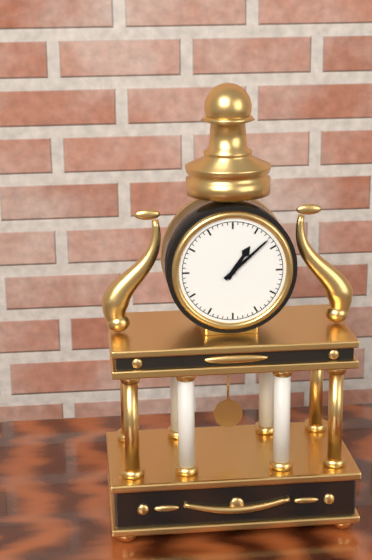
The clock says {"hour": 1, "minute": 8}
